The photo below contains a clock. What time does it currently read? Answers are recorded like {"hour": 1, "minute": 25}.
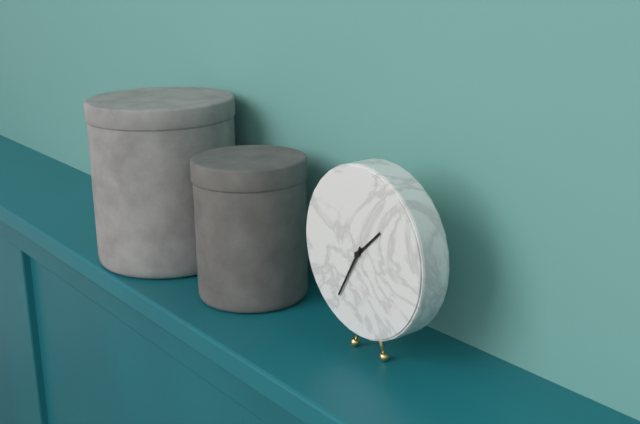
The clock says {"hour": 1, "minute": 35}
